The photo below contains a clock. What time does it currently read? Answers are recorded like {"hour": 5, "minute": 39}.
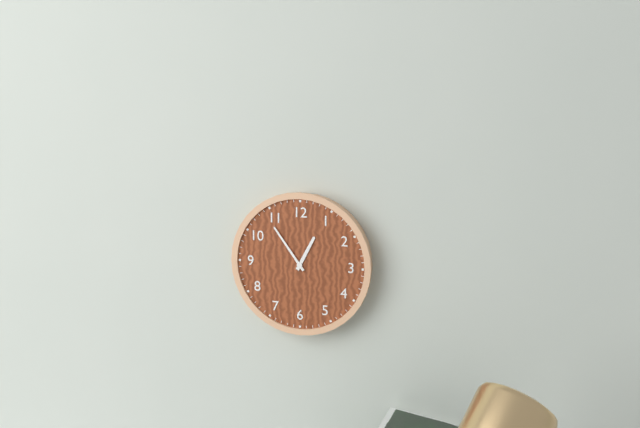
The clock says {"hour": 12, "minute": 54}
